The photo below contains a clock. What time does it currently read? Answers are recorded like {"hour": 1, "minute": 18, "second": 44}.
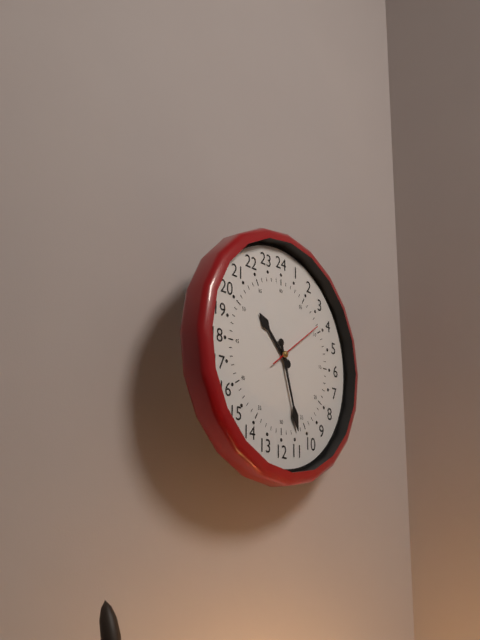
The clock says {"hour": 10, "minute": 27, "second": 9}
